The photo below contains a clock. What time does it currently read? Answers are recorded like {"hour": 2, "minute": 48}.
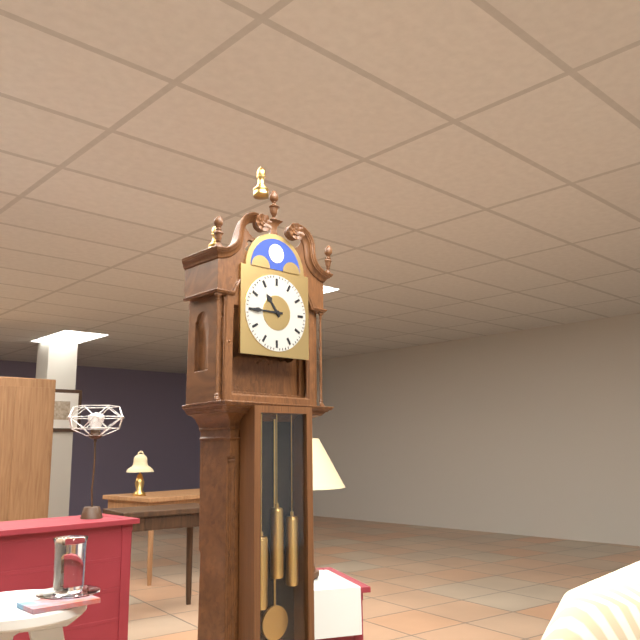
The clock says {"hour": 10, "minute": 45}
